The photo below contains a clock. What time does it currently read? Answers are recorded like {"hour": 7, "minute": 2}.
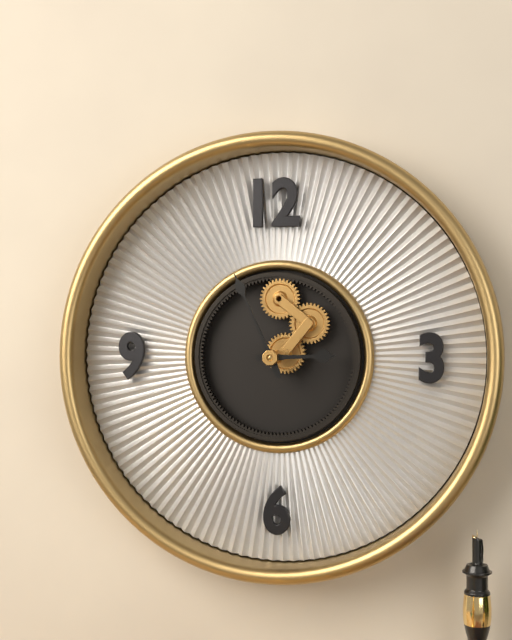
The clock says {"hour": 2, "minute": 56}
